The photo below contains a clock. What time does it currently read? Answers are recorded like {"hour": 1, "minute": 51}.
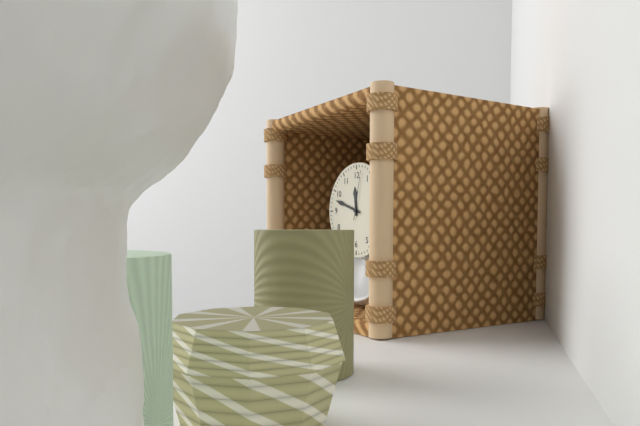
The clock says {"hour": 11, "minute": 48}
